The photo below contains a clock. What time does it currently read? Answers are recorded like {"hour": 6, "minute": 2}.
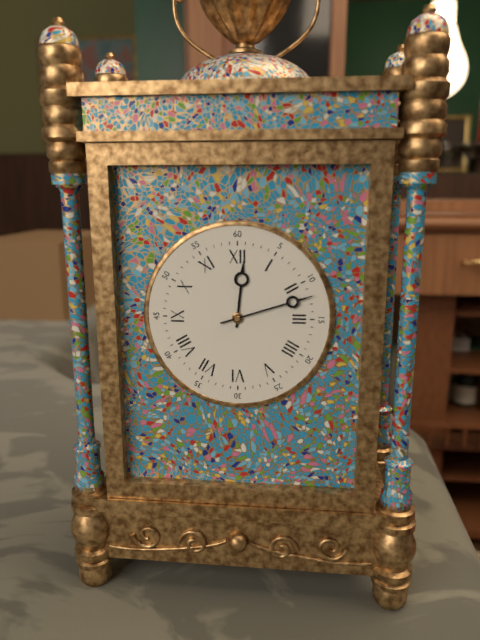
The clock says {"hour": 12, "minute": 12}
